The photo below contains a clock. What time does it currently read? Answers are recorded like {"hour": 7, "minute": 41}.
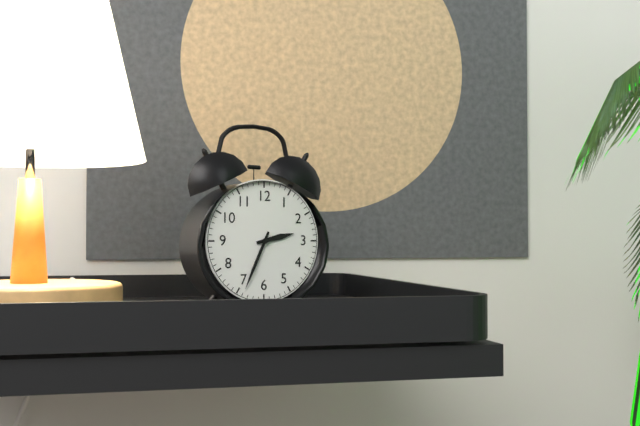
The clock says {"hour": 2, "minute": 34}
